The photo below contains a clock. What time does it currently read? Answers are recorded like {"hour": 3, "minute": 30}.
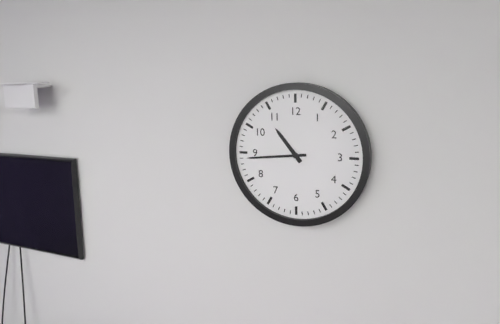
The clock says {"hour": 10, "minute": 44}
